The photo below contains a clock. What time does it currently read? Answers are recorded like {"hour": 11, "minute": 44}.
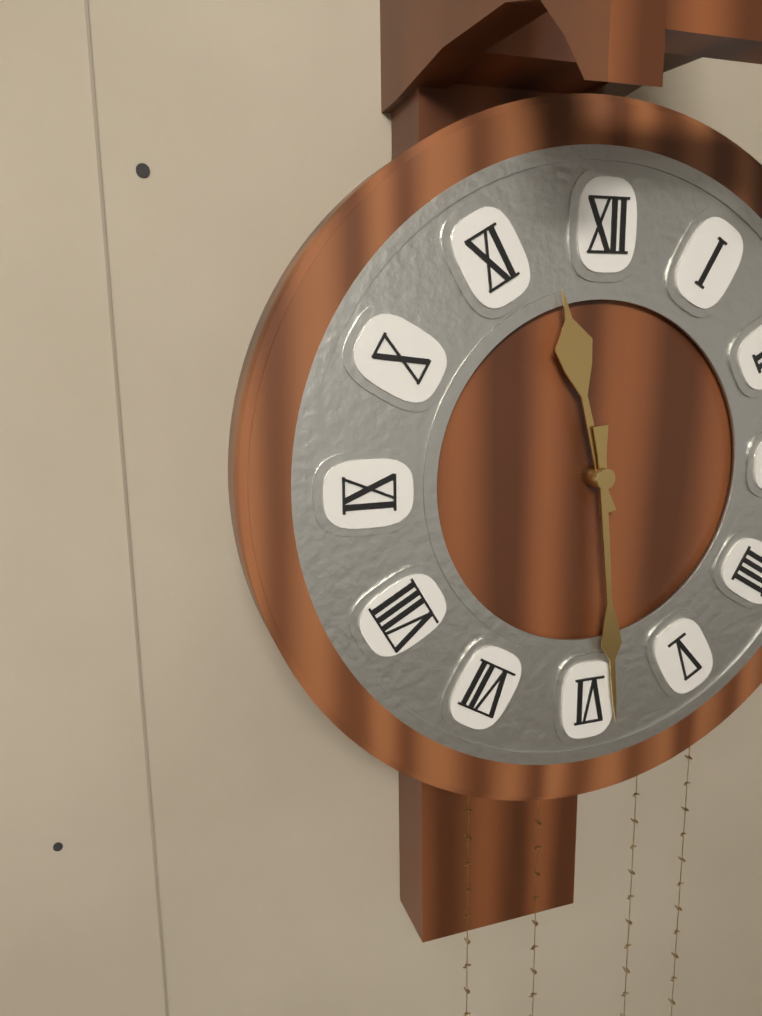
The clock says {"hour": 11, "minute": 29}
